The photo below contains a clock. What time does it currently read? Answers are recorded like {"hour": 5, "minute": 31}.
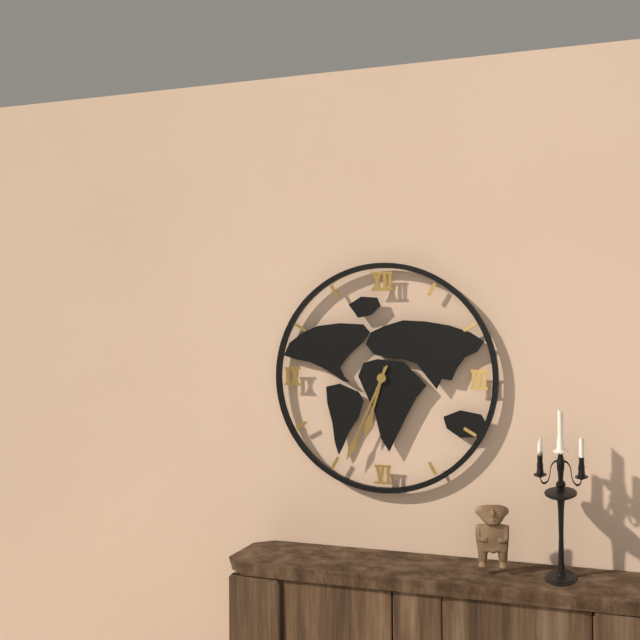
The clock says {"hour": 6, "minute": 34}
